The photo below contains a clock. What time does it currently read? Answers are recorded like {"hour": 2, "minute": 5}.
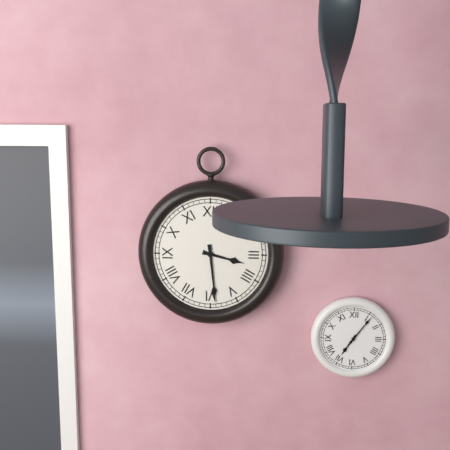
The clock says {"hour": 3, "minute": 29}
